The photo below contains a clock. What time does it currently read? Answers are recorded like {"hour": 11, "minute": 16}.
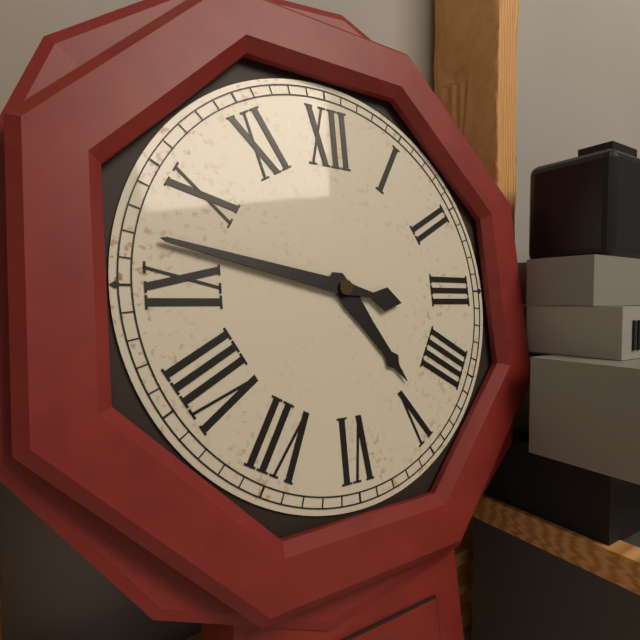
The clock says {"hour": 4, "minute": 47}
